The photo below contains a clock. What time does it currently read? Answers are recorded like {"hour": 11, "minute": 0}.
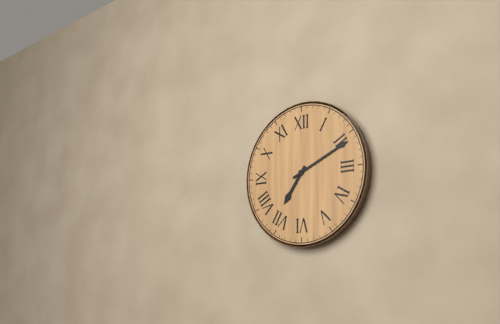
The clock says {"hour": 7, "minute": 11}
